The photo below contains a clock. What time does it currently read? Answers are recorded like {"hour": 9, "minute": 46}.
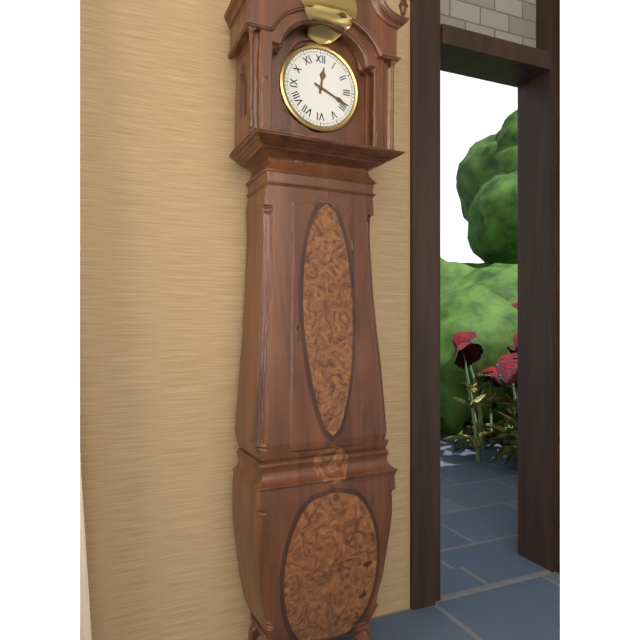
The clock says {"hour": 12, "minute": 19}
